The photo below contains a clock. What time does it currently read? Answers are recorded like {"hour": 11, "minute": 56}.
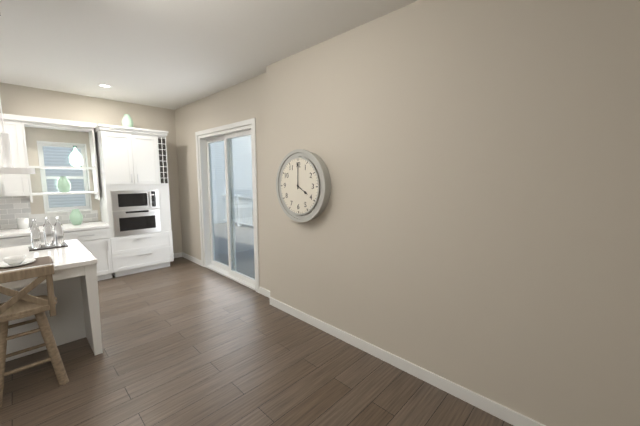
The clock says {"hour": 4, "minute": 0}
